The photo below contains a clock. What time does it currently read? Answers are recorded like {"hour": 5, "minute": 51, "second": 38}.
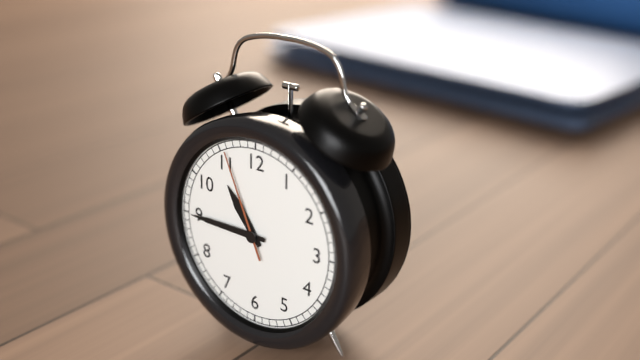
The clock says {"hour": 10, "minute": 45, "second": 56}
